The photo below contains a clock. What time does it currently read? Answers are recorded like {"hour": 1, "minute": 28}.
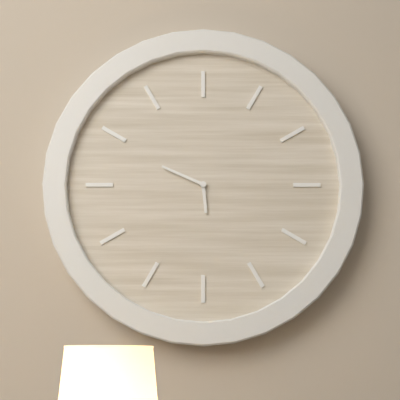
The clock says {"hour": 5, "minute": 49}
